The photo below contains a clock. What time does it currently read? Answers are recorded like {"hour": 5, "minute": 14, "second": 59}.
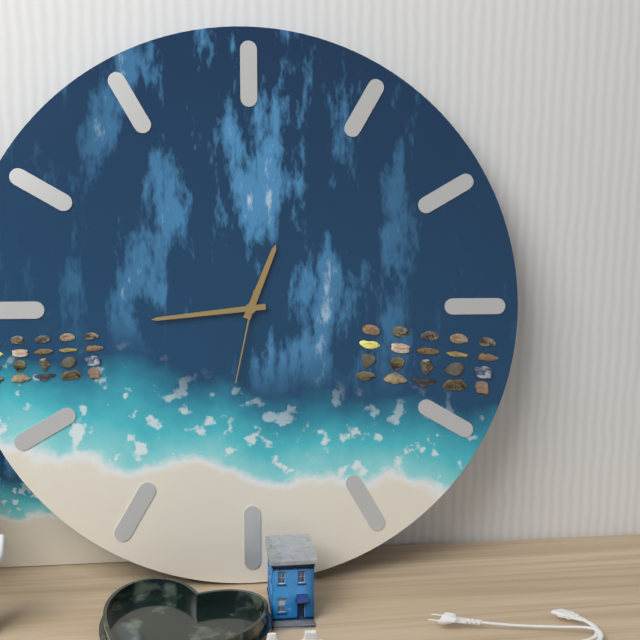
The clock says {"hour": 12, "minute": 44, "second": 32}
